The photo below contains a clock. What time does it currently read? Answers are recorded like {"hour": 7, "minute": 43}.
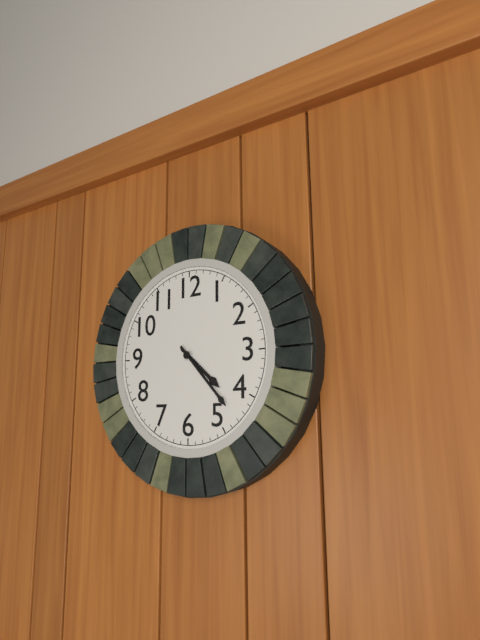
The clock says {"hour": 4, "minute": 23}
